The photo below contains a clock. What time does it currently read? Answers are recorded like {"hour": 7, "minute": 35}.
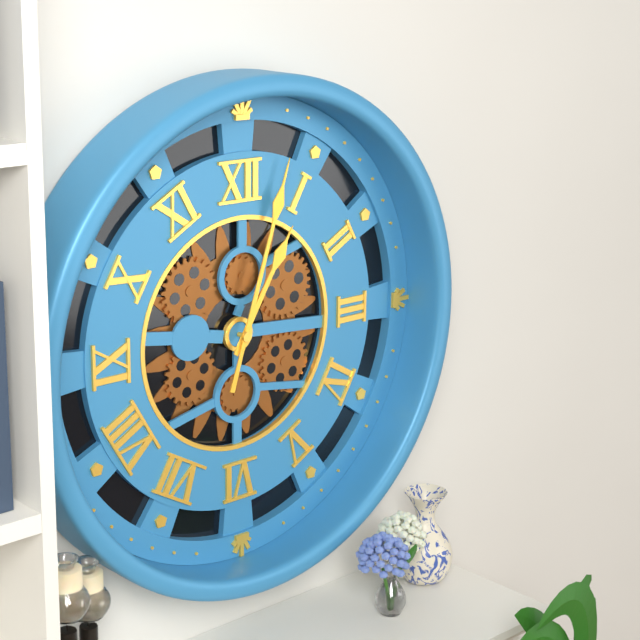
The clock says {"hour": 1, "minute": 3}
